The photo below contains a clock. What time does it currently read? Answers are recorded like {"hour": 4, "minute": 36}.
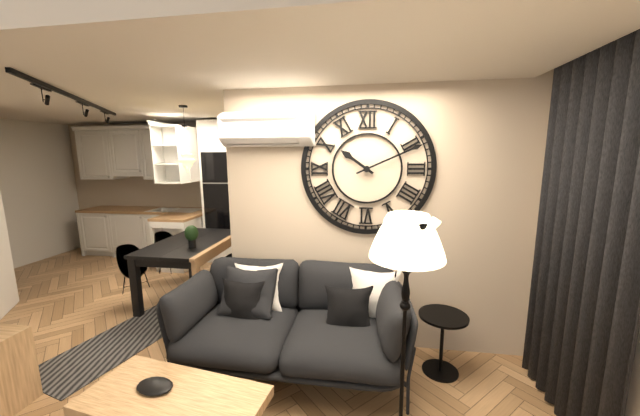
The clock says {"hour": 10, "minute": 11}
